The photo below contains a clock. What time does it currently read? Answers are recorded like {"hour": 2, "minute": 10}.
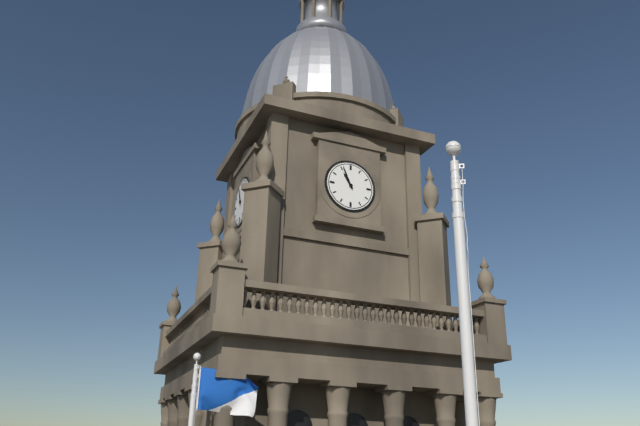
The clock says {"hour": 10, "minute": 56}
